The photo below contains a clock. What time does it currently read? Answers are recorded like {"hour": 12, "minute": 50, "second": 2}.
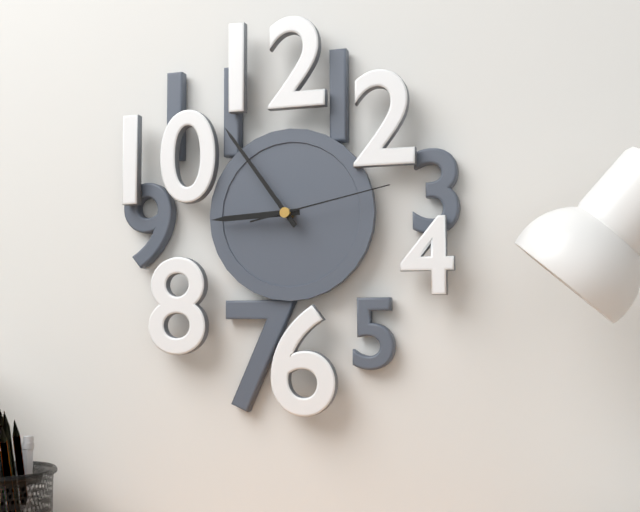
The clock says {"hour": 8, "minute": 54, "second": 13}
